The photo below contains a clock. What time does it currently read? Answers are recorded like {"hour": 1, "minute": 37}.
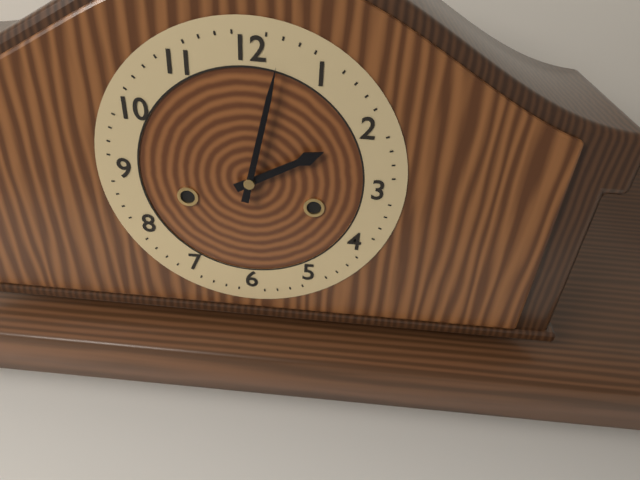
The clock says {"hour": 2, "minute": 2}
